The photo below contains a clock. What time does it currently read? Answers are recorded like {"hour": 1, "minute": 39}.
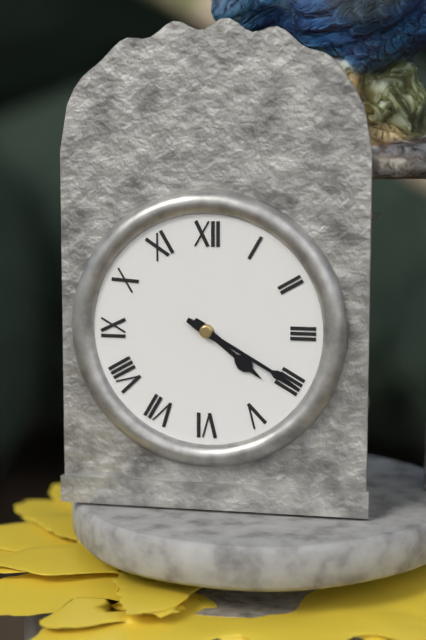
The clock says {"hour": 4, "minute": 20}
